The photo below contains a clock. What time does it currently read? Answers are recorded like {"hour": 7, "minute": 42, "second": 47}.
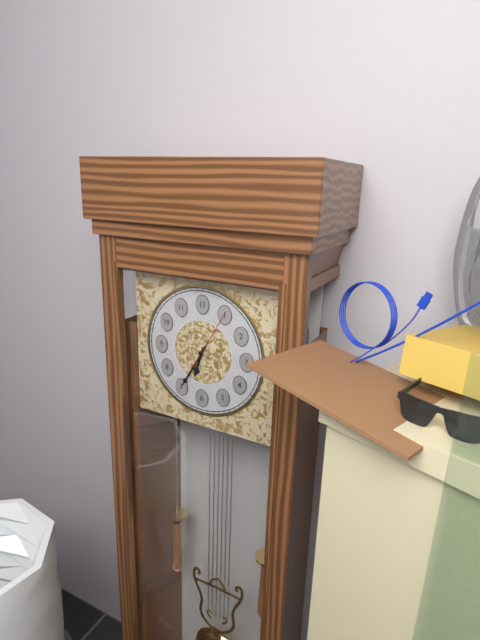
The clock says {"hour": 6, "minute": 35, "second": 5}
